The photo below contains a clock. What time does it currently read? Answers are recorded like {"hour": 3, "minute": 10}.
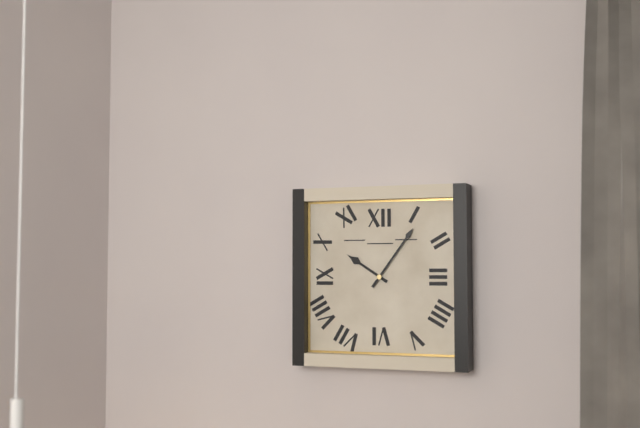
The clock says {"hour": 10, "minute": 6}
